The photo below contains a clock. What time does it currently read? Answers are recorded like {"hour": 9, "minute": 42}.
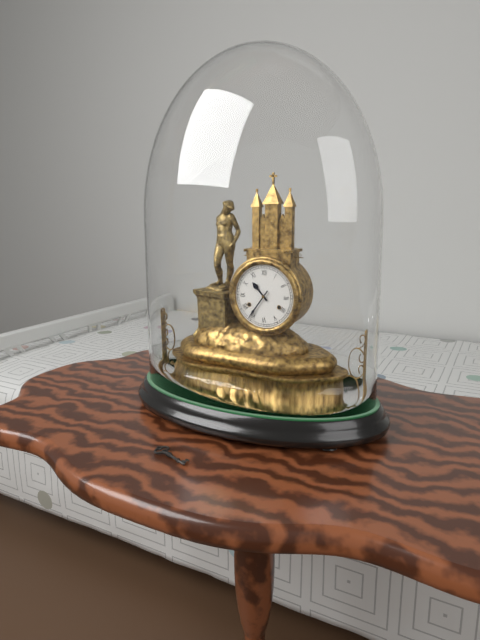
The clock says {"hour": 10, "minute": 36}
